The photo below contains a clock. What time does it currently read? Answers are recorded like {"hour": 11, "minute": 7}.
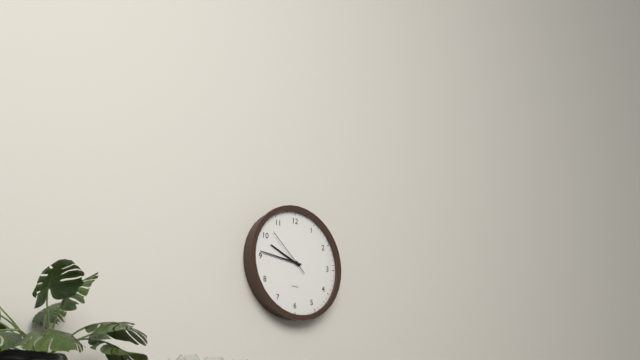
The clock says {"hour": 9, "minute": 46}
